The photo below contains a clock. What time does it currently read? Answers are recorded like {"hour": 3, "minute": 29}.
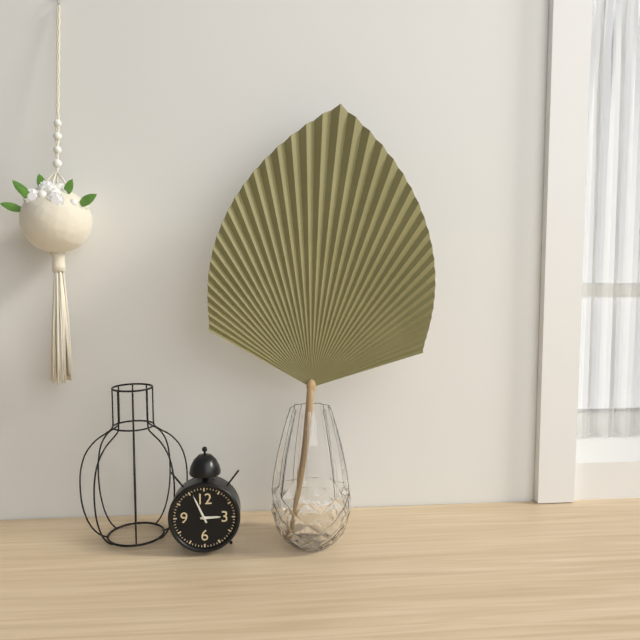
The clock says {"hour": 2, "minute": 56}
